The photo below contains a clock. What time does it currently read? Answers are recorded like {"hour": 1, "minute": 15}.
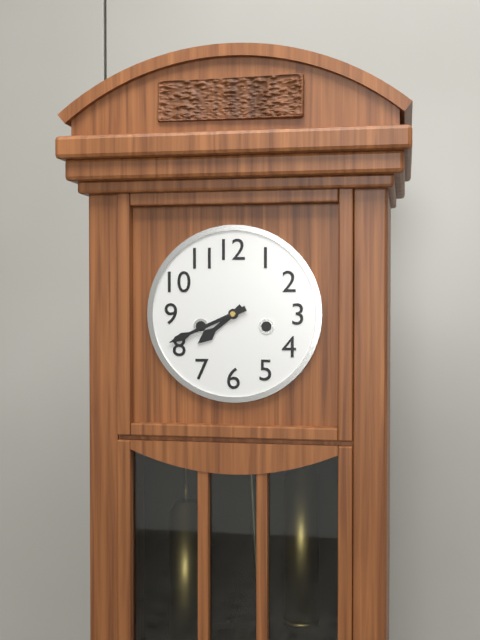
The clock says {"hour": 7, "minute": 41}
